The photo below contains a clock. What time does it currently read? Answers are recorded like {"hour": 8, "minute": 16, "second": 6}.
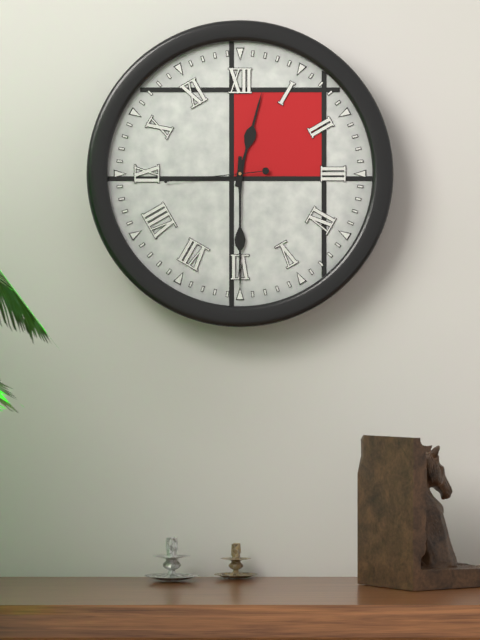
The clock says {"hour": 12, "minute": 30, "second": 44}
